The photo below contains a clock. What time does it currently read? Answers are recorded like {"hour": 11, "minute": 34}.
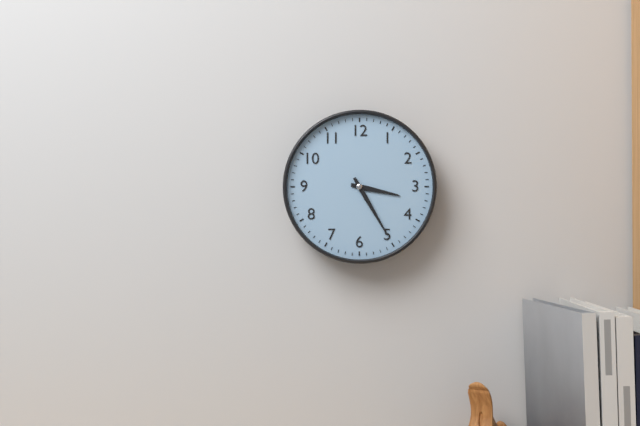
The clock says {"hour": 3, "minute": 25}
